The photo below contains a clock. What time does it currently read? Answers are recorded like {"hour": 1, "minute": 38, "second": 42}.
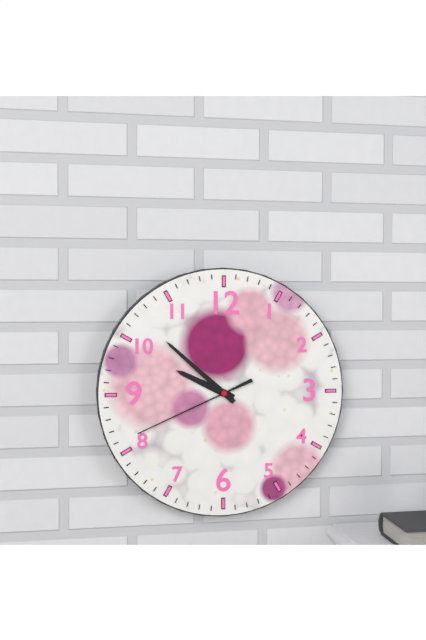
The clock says {"hour": 9, "minute": 52, "second": 41}
